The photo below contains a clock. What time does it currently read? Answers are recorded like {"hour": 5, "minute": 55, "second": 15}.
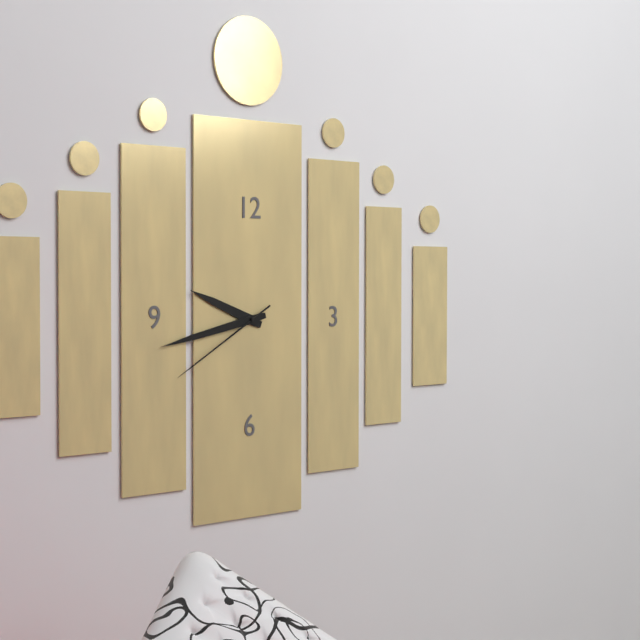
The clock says {"hour": 9, "minute": 43, "second": 40}
